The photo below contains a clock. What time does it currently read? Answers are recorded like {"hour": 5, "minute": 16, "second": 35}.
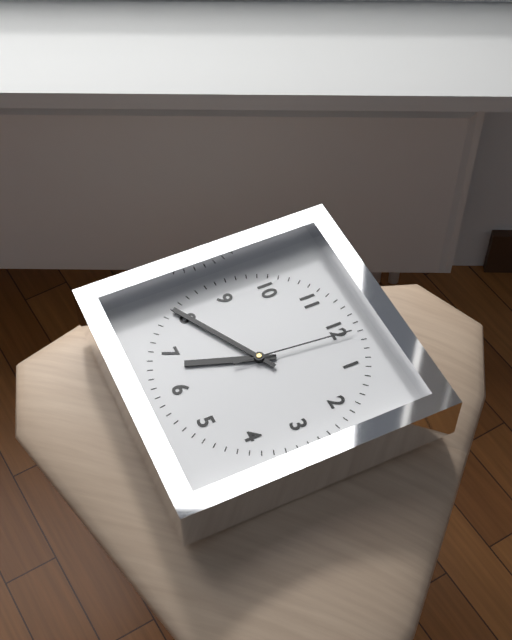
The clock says {"hour": 6, "minute": 40, "second": 1}
